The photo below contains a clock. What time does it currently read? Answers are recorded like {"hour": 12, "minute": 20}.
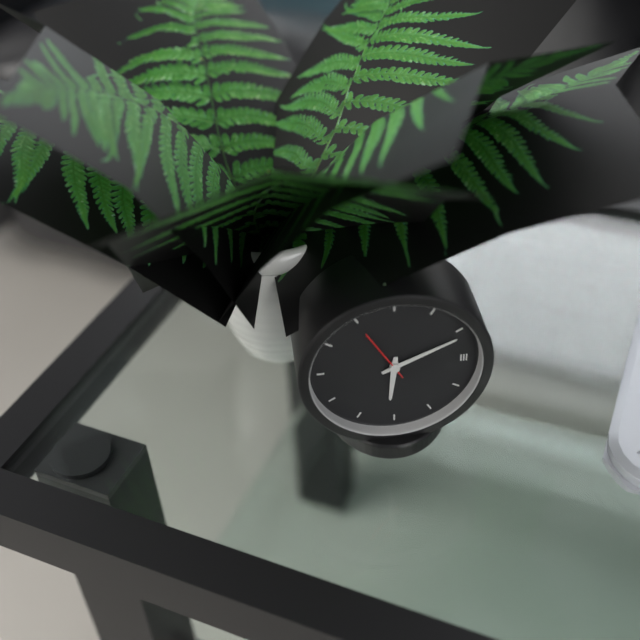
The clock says {"hour": 6, "minute": 11}
